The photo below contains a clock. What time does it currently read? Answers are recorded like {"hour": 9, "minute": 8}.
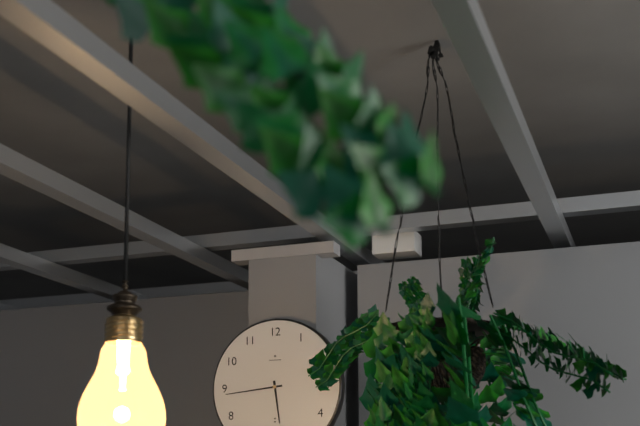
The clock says {"hour": 5, "minute": 44}
